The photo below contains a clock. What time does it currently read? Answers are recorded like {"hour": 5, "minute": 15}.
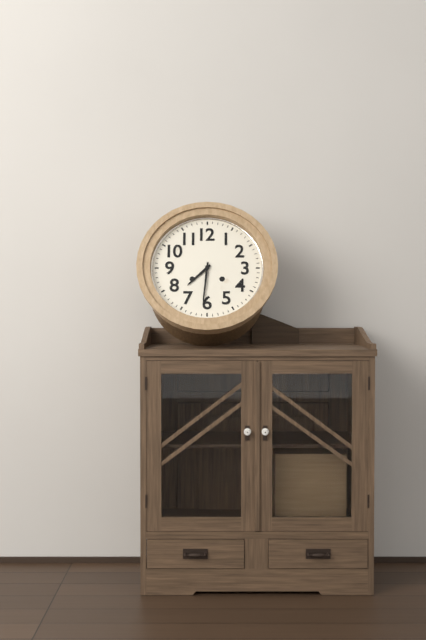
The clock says {"hour": 7, "minute": 31}
